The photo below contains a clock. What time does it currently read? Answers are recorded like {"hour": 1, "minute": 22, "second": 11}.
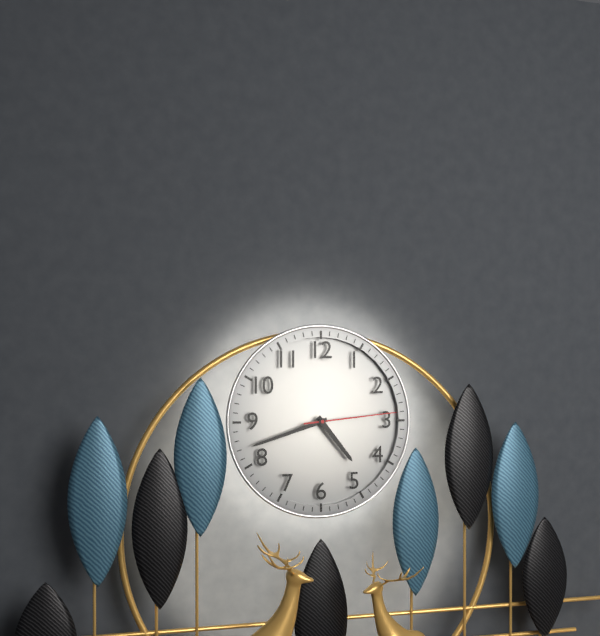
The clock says {"hour": 4, "minute": 42, "second": 14}
